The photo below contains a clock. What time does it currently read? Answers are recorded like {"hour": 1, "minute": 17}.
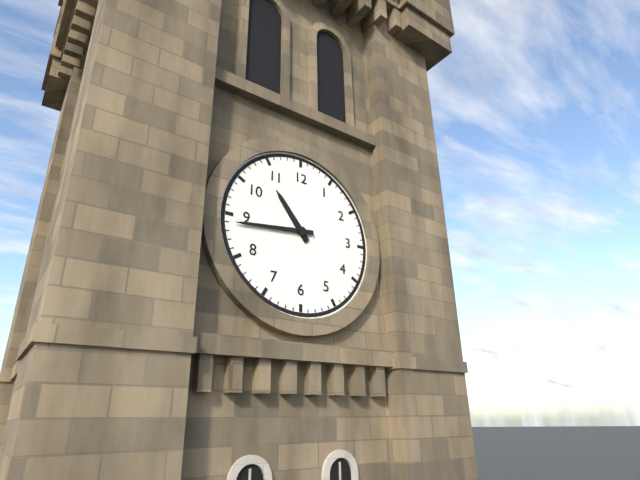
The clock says {"hour": 10, "minute": 44}
